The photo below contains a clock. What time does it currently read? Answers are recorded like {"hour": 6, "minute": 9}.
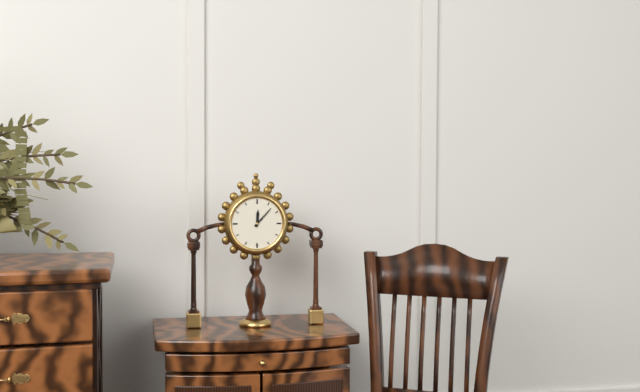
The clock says {"hour": 12, "minute": 7}
